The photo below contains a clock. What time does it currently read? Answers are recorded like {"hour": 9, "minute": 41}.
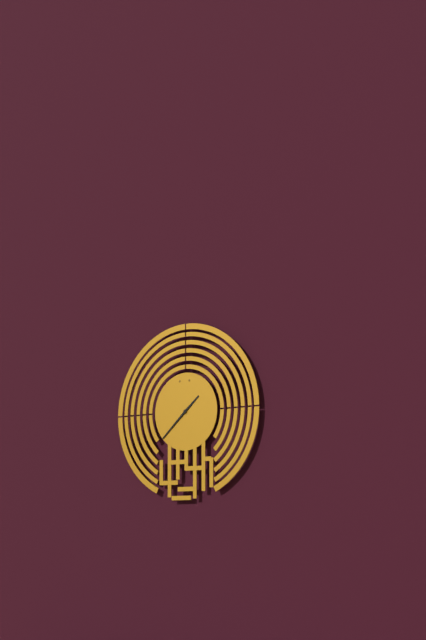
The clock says {"hour": 1, "minute": 38}
